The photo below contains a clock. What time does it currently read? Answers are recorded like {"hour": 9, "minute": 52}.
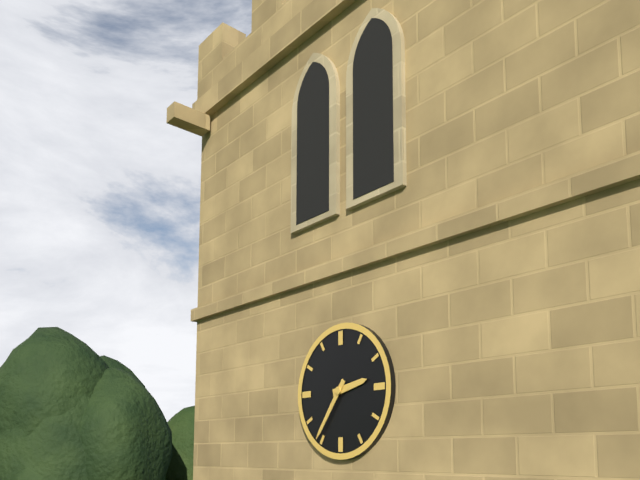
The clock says {"hour": 2, "minute": 36}
